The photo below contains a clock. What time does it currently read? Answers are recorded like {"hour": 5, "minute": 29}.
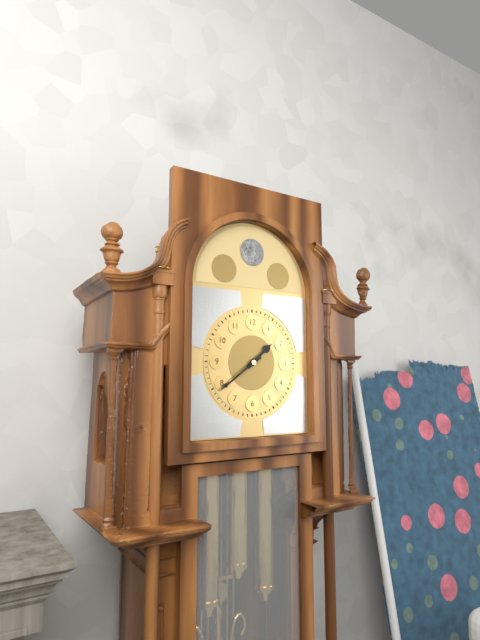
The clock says {"hour": 1, "minute": 39}
